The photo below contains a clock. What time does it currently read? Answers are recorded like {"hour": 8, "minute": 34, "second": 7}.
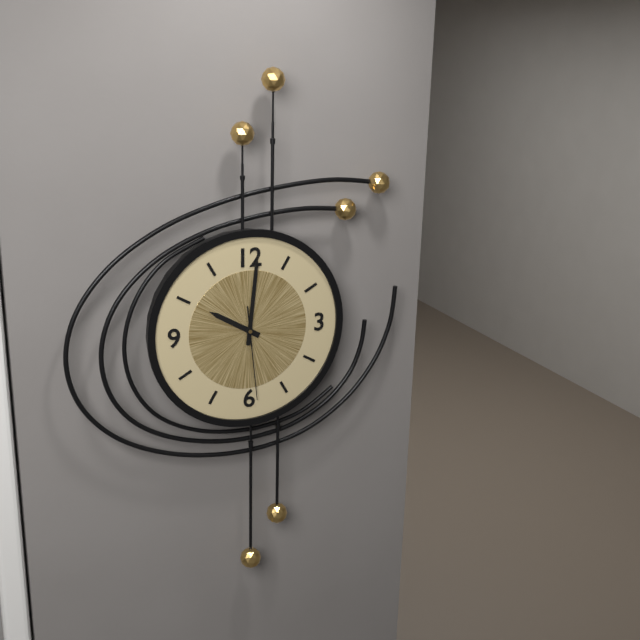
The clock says {"hour": 10, "minute": 1, "second": 29}
